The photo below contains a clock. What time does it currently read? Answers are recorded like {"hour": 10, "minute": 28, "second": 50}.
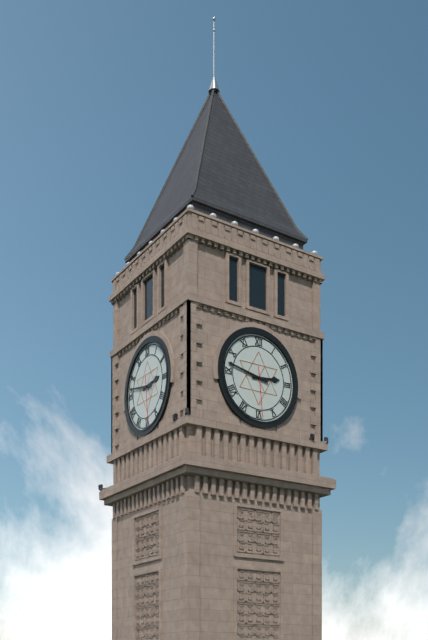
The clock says {"hour": 2, "minute": 47, "second": 29}
